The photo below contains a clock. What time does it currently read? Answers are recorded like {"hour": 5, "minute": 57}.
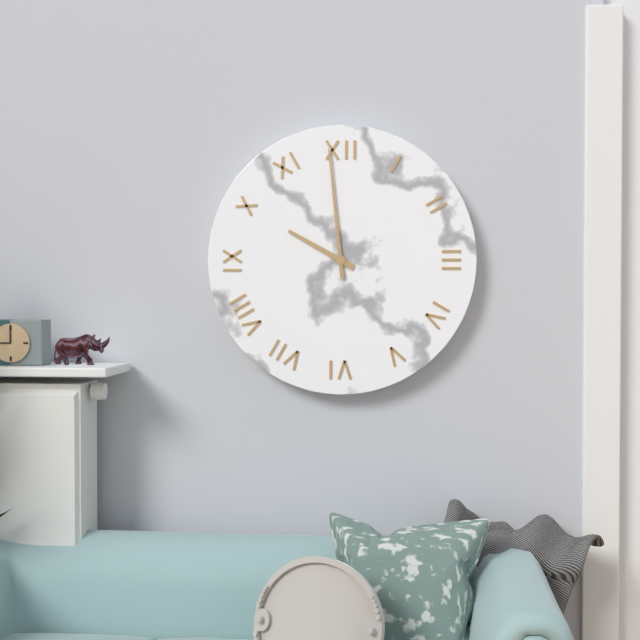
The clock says {"hour": 9, "minute": 59}
